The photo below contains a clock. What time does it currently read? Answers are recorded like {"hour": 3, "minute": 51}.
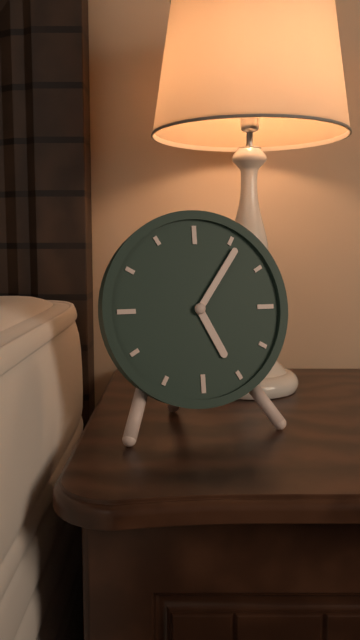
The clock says {"hour": 5, "minute": 6}
